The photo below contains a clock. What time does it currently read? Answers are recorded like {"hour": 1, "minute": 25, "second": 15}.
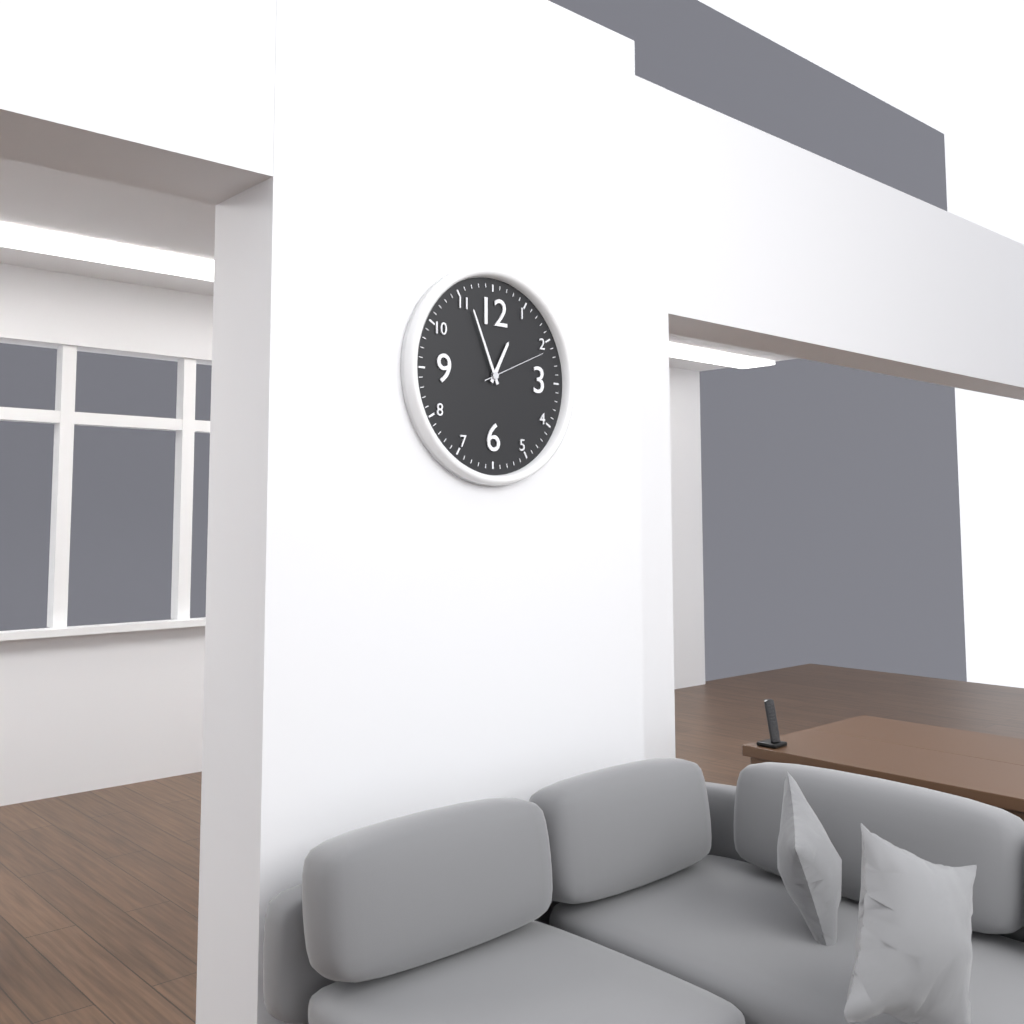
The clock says {"hour": 12, "minute": 56, "second": 11}
